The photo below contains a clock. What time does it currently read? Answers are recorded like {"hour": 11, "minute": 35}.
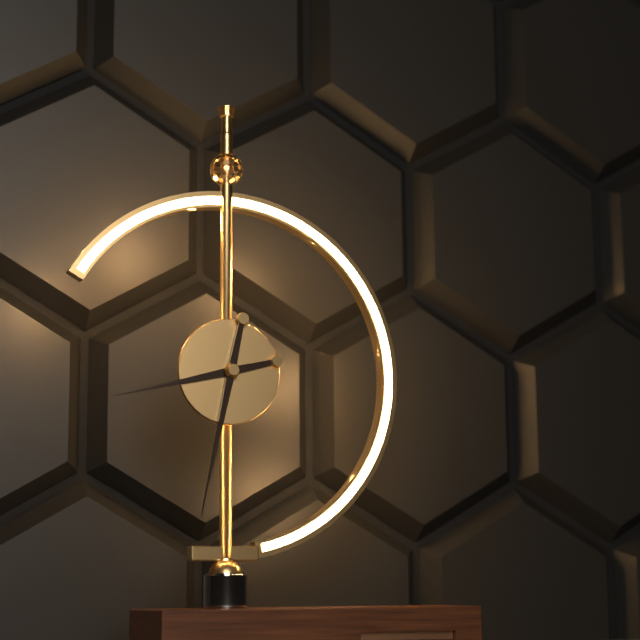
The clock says {"hour": 8, "minute": 32}
